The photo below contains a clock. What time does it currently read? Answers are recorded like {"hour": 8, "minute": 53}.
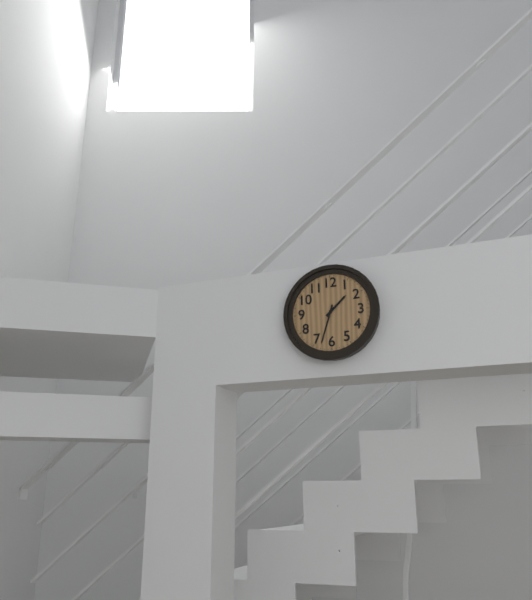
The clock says {"hour": 1, "minute": 33}
